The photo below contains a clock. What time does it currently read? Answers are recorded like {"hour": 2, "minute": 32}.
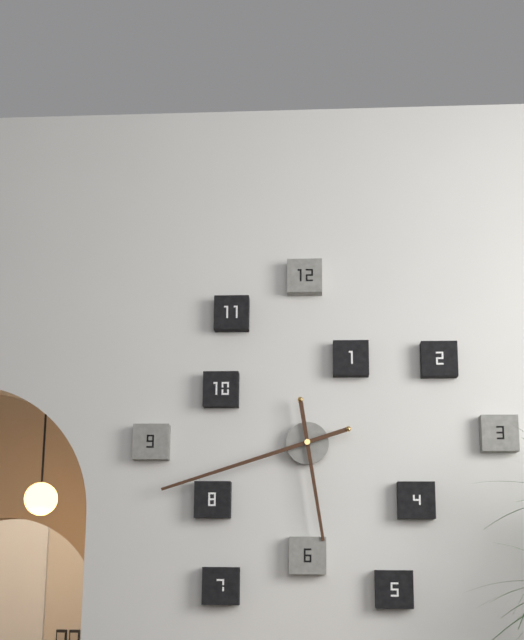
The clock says {"hour": 5, "minute": 42}
